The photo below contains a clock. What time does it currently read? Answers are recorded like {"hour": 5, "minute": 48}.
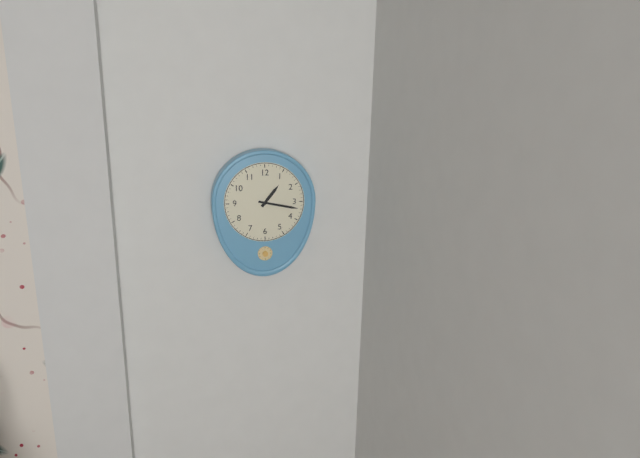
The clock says {"hour": 1, "minute": 17}
